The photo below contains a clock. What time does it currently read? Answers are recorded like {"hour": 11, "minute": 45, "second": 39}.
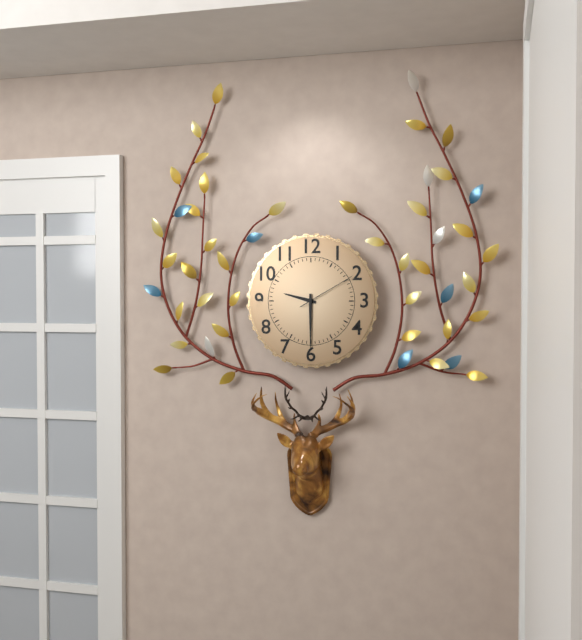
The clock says {"hour": 9, "minute": 30, "second": 10}
